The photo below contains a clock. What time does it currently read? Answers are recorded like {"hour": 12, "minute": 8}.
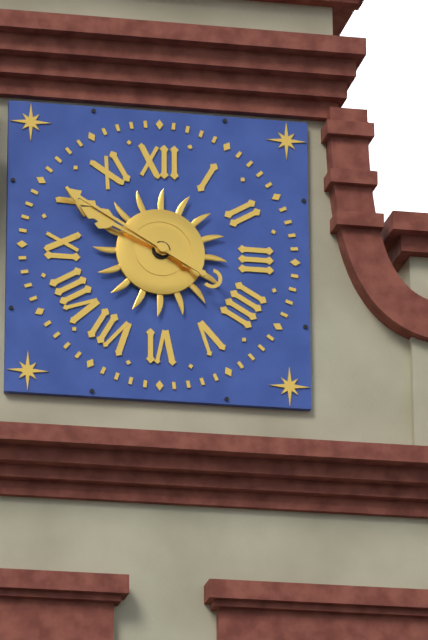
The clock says {"hour": 9, "minute": 50}
